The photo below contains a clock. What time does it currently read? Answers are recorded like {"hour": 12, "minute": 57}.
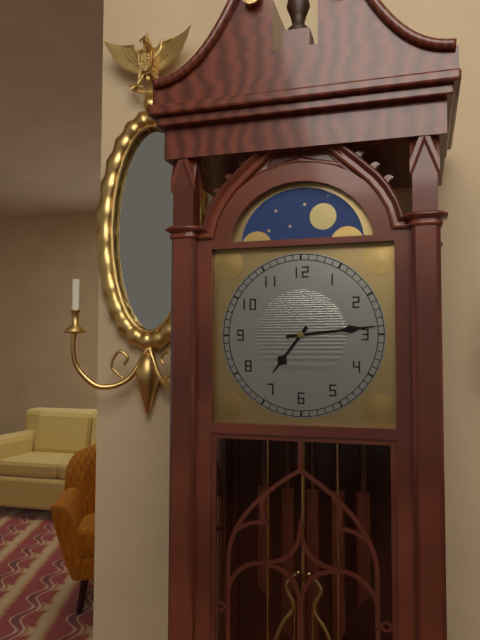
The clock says {"hour": 7, "minute": 14}
